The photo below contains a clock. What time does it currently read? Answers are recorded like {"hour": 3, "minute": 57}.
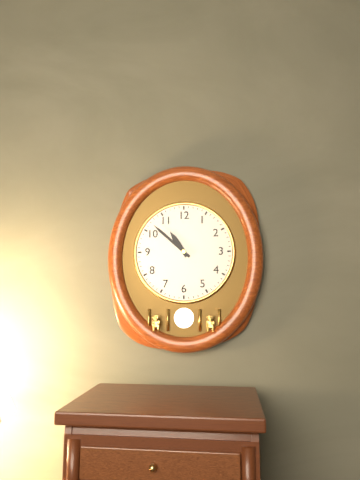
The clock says {"hour": 10, "minute": 52}
